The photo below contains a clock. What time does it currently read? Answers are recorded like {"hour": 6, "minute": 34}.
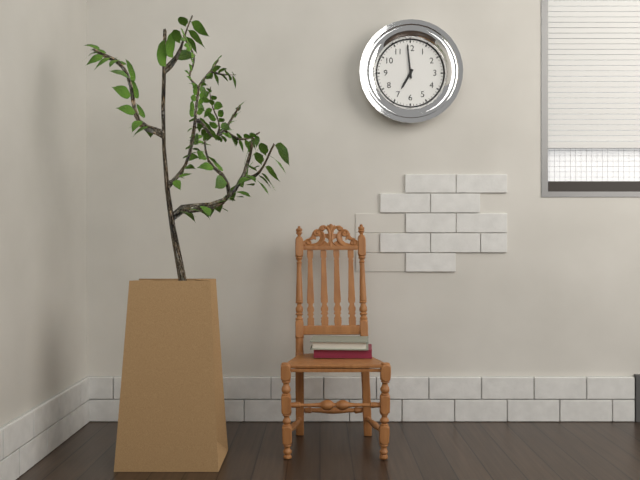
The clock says {"hour": 6, "minute": 59}
